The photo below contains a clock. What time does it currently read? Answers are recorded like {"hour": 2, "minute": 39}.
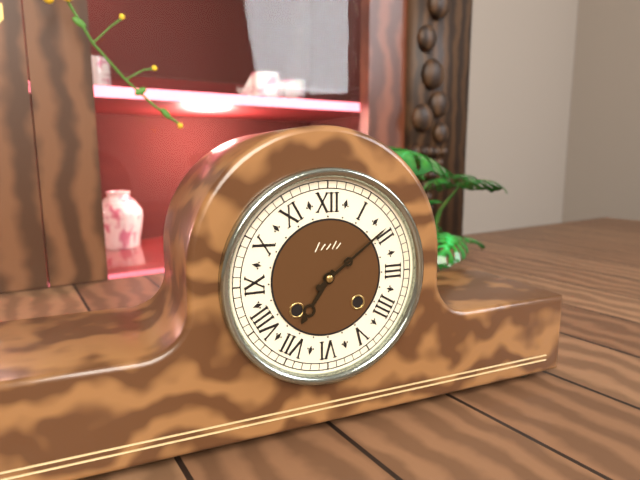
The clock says {"hour": 7, "minute": 9}
